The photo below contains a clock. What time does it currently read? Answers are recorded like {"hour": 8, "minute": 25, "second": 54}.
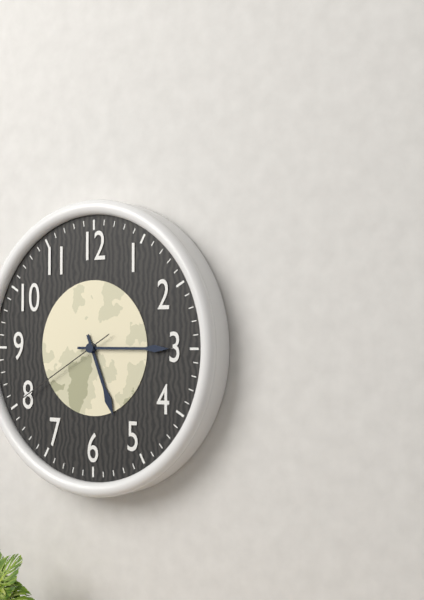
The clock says {"hour": 5, "minute": 15, "second": 40}
